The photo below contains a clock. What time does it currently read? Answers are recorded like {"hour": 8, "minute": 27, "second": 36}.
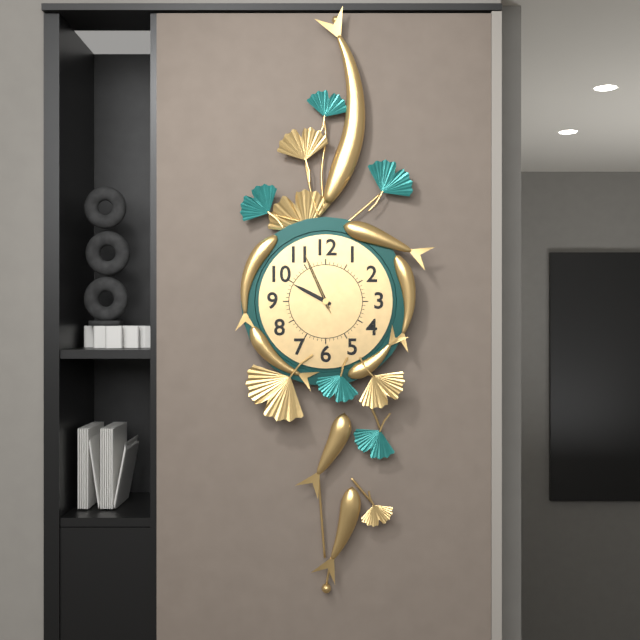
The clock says {"hour": 9, "minute": 56, "second": 56}
